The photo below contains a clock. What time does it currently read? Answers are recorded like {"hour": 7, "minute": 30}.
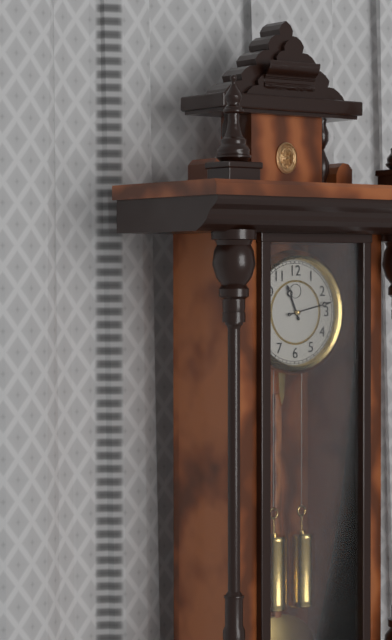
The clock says {"hour": 11, "minute": 13}
